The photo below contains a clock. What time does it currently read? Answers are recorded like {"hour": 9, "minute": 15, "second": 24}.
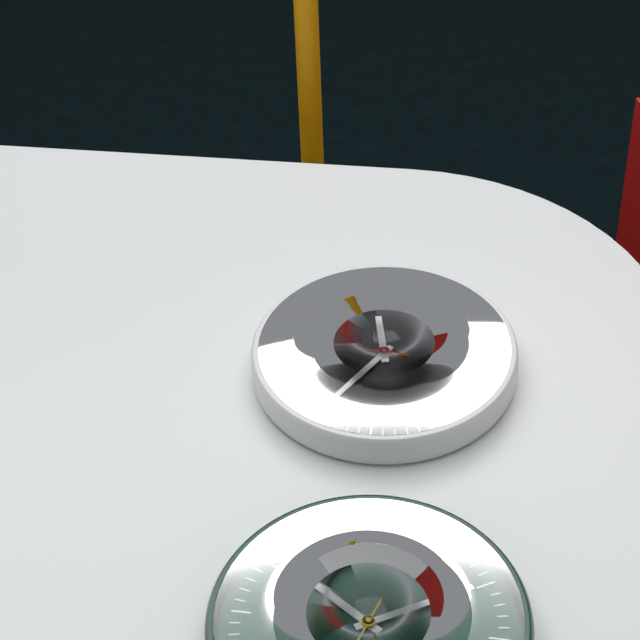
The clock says {"hour": 11, "minute": 35, "second": 46}
